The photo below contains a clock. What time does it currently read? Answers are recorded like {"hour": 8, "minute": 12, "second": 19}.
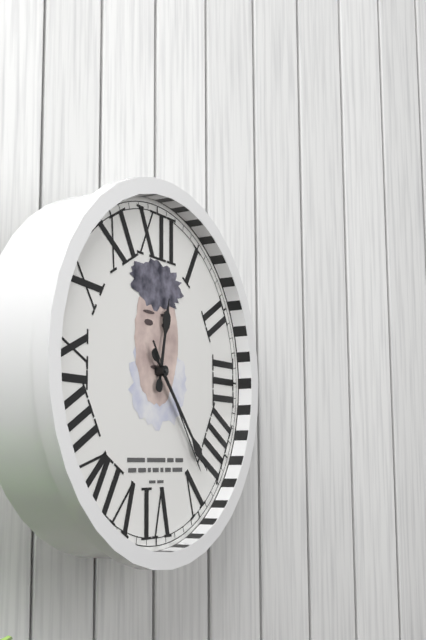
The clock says {"hour": 12, "minute": 23, "second": 24}
